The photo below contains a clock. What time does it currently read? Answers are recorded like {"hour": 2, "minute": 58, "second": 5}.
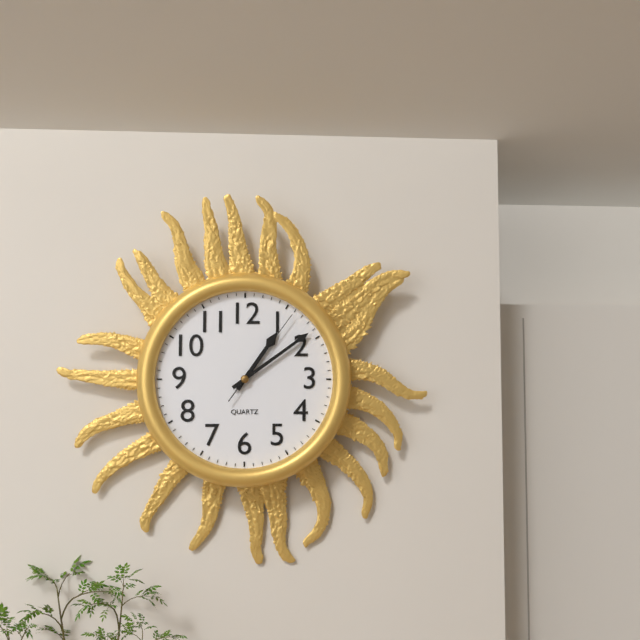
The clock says {"hour": 1, "minute": 9, "second": 6}
